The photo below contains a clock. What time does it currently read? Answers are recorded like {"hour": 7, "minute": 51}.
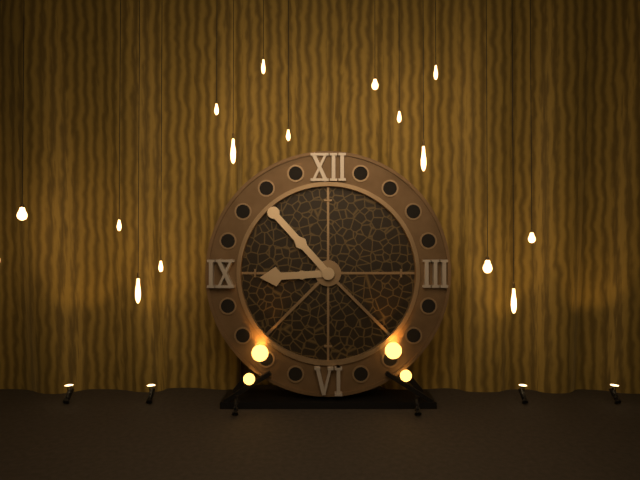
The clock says {"hour": 8, "minute": 53}
